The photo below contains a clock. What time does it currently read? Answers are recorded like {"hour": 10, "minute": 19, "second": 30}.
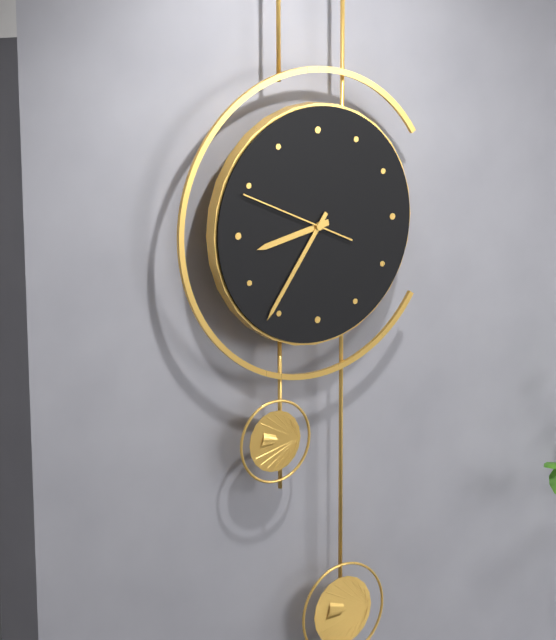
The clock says {"hour": 8, "minute": 36, "second": 49}
